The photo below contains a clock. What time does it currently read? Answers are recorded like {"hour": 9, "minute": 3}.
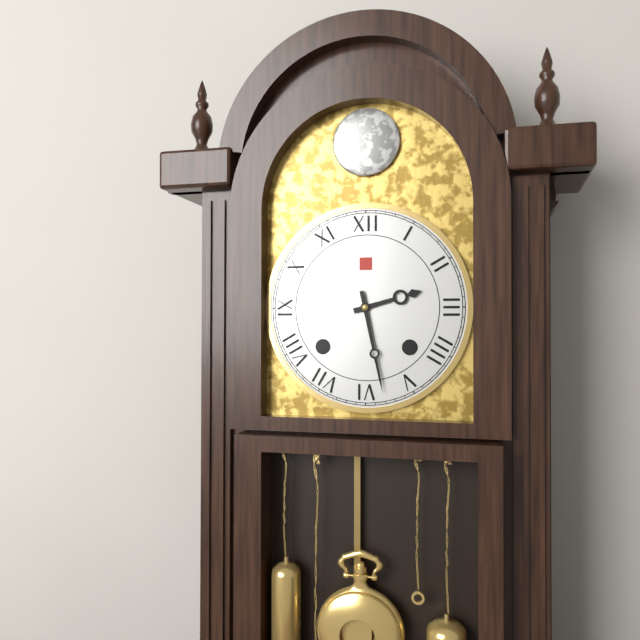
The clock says {"hour": 2, "minute": 28}
